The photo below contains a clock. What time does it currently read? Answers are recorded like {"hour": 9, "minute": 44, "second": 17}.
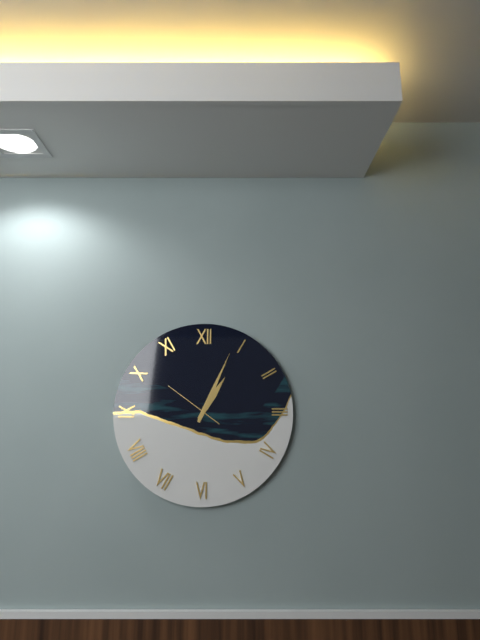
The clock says {"hour": 1, "minute": 4, "second": 51}
